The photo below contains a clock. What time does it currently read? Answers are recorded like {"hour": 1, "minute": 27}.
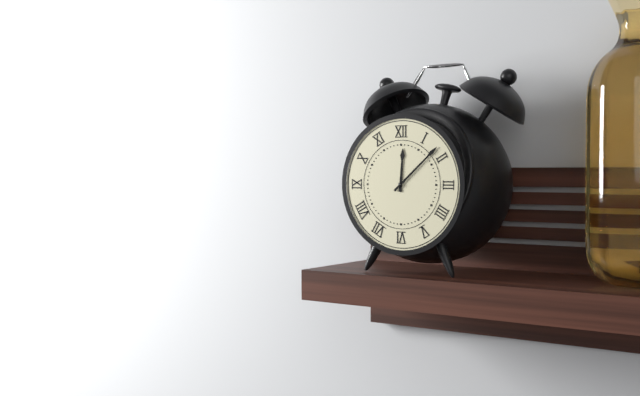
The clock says {"hour": 12, "minute": 8}
